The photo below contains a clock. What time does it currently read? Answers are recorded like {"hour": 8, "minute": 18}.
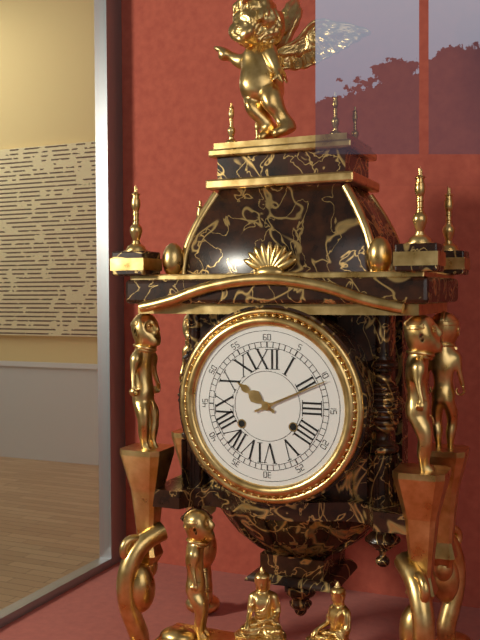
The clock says {"hour": 10, "minute": 11}
